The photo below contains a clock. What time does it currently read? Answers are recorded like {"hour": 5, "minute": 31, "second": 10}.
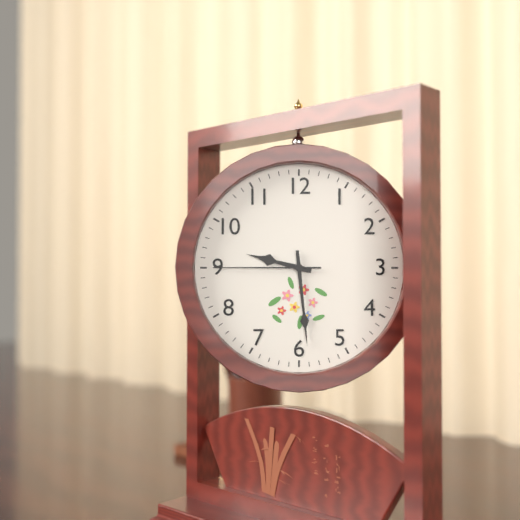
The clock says {"hour": 9, "minute": 29, "second": 45}
